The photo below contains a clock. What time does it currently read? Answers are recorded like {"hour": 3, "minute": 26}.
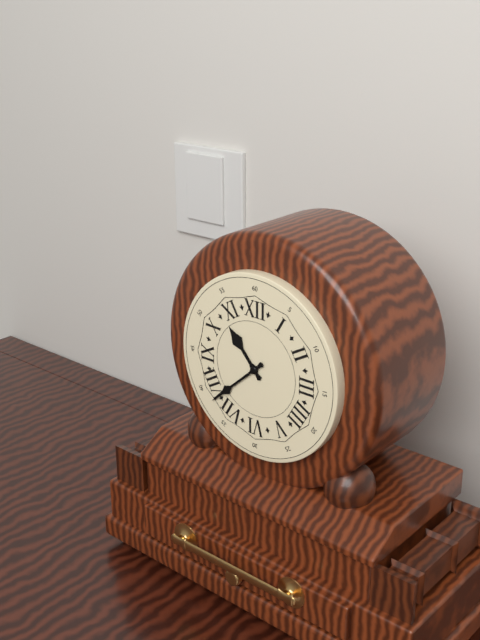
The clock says {"hour": 10, "minute": 38}
